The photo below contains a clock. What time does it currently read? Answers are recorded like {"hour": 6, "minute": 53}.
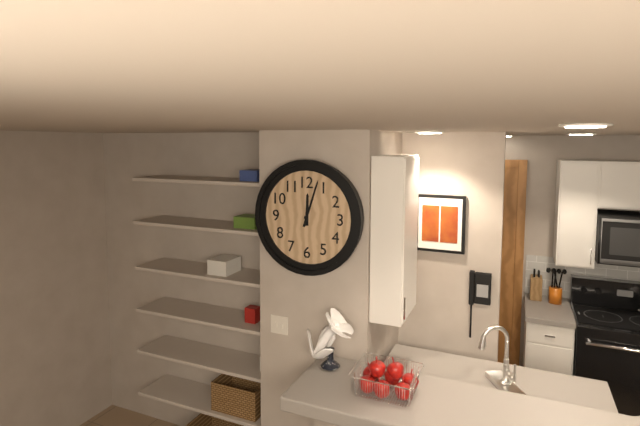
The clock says {"hour": 12, "minute": 3}
